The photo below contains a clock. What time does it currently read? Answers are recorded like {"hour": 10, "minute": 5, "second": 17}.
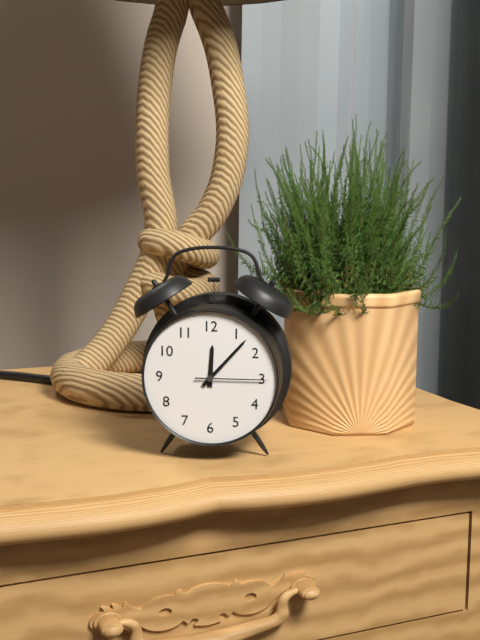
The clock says {"hour": 12, "minute": 7, "second": 15}
